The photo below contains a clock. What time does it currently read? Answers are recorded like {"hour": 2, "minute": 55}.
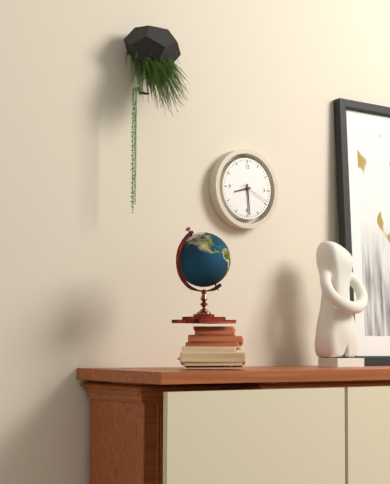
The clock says {"hour": 8, "minute": 29}
